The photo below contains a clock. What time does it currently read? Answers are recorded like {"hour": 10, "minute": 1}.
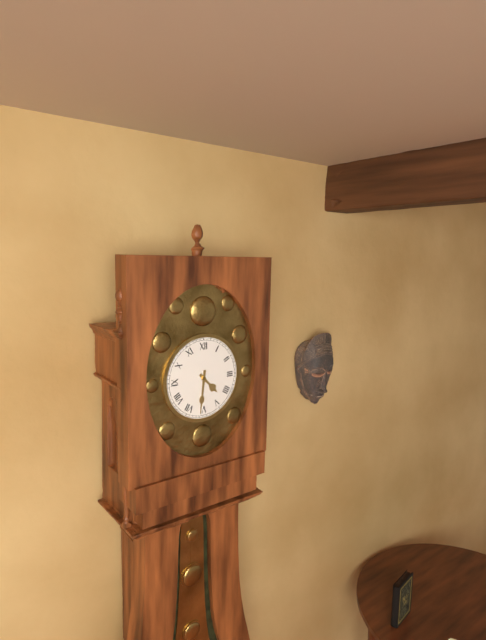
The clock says {"hour": 4, "minute": 31}
